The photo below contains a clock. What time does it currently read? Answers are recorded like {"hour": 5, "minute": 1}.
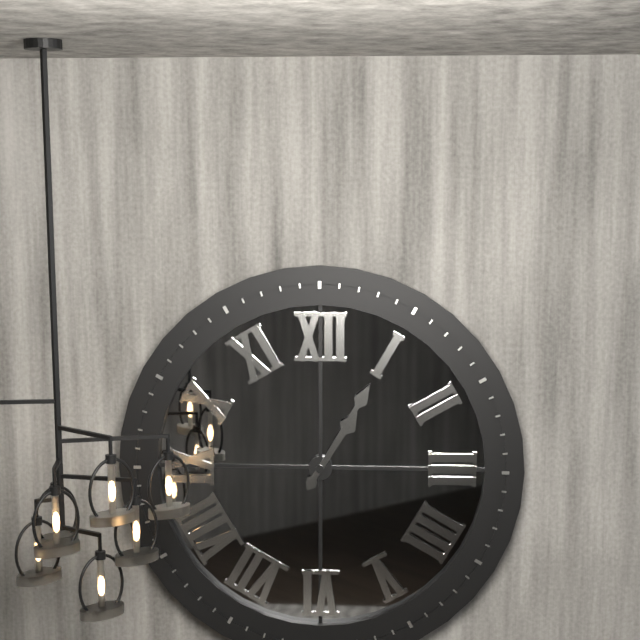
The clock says {"hour": 1, "minute": 5}
